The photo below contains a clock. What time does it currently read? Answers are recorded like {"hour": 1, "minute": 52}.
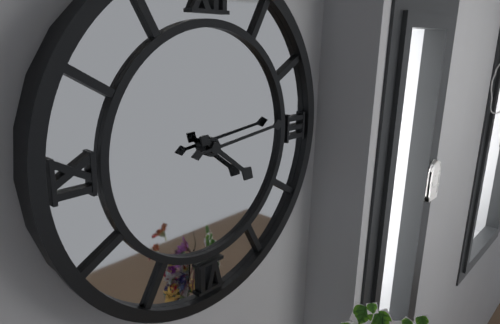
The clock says {"hour": 4, "minute": 14}
